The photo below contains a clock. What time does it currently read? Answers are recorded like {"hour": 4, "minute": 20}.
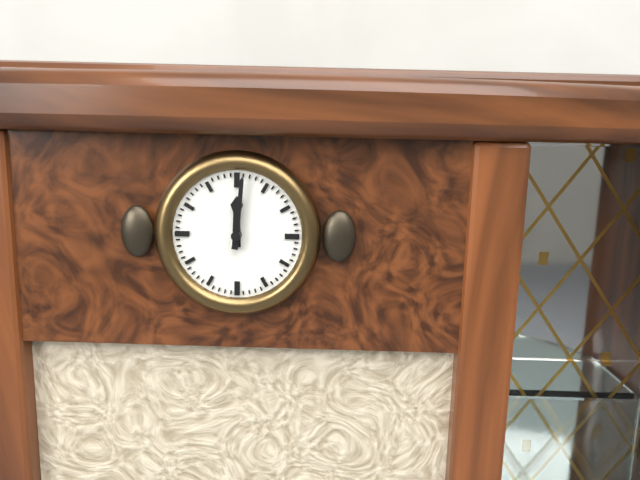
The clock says {"hour": 12, "minute": 1}
